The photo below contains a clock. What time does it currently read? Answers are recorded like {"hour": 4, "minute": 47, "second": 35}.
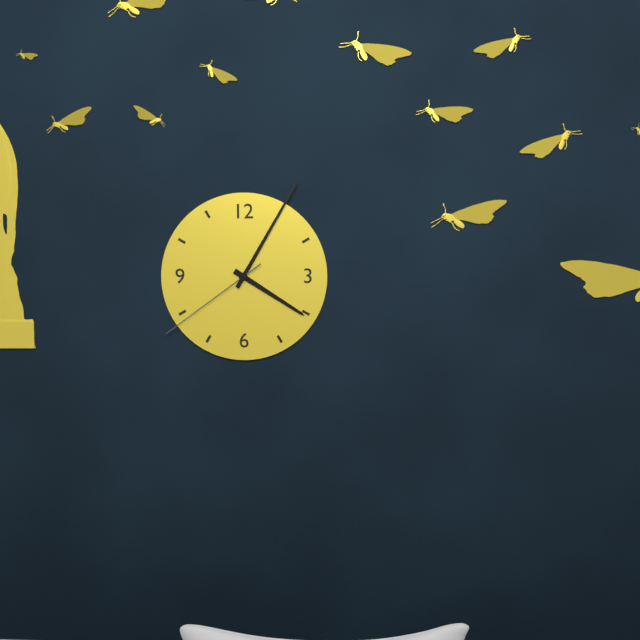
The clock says {"hour": 4, "minute": 5, "second": 39}
